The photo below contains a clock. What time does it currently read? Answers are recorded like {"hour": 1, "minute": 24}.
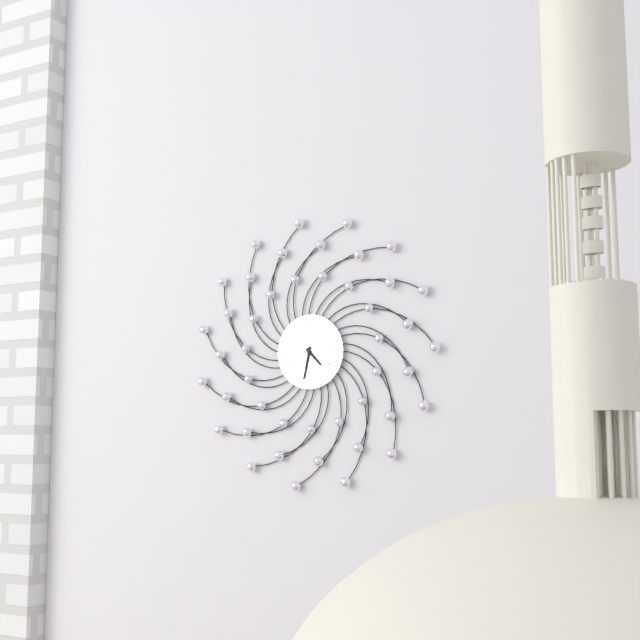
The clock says {"hour": 4, "minute": 32}
